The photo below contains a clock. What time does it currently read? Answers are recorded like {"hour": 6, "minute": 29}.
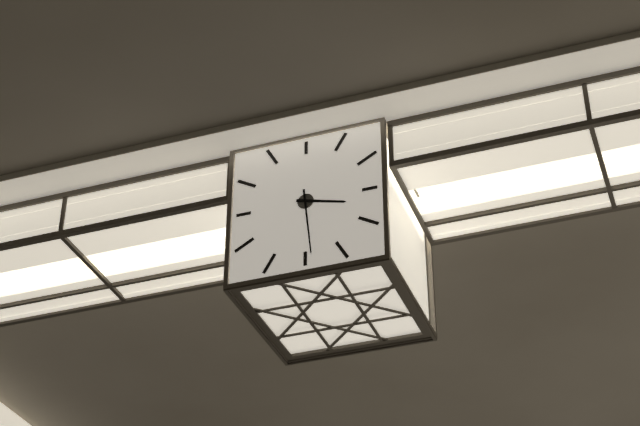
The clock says {"hour": 3, "minute": 29}
